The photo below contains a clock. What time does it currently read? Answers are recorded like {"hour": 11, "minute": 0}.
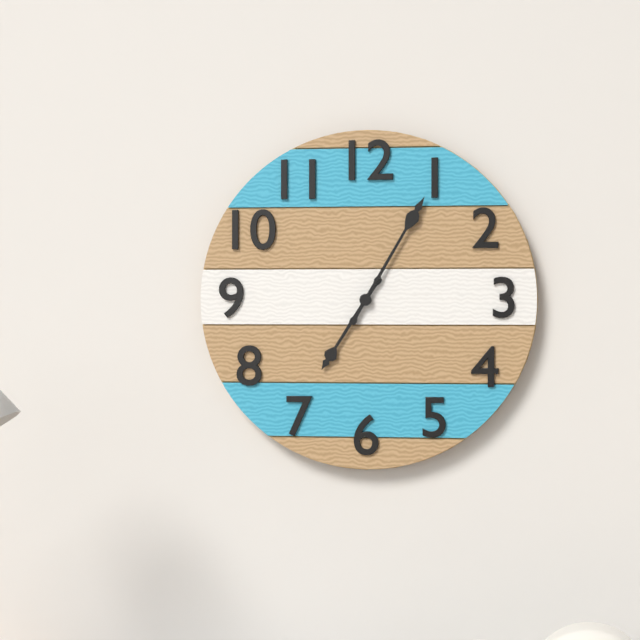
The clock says {"hour": 7, "minute": 5}
